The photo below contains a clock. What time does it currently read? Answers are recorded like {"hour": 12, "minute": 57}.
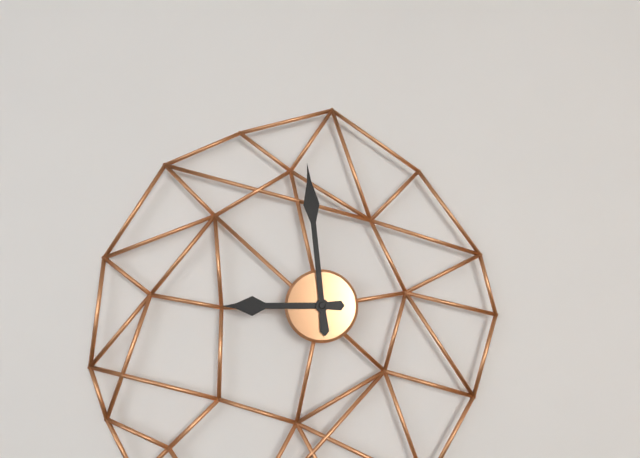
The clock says {"hour": 8, "minute": 59}
